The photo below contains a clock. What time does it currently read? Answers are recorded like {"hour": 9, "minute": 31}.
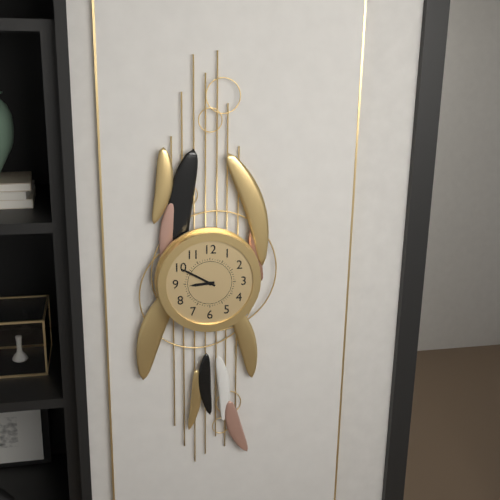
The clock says {"hour": 8, "minute": 50}
